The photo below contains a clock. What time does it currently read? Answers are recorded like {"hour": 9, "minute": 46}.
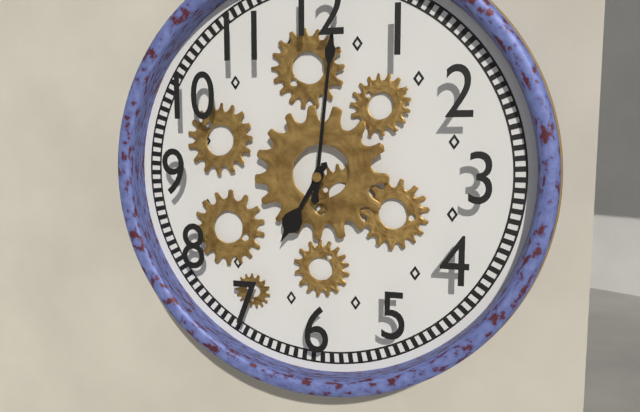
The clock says {"hour": 7, "minute": 1}
